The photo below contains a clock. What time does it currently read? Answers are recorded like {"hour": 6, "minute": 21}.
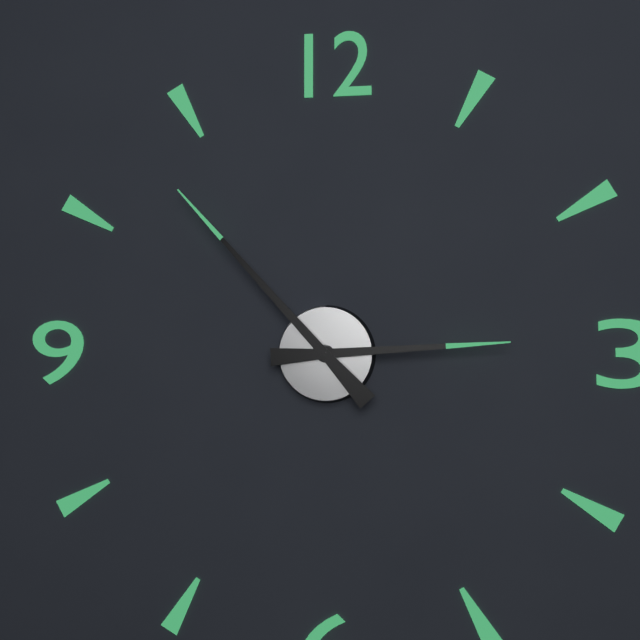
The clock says {"hour": 2, "minute": 53}
